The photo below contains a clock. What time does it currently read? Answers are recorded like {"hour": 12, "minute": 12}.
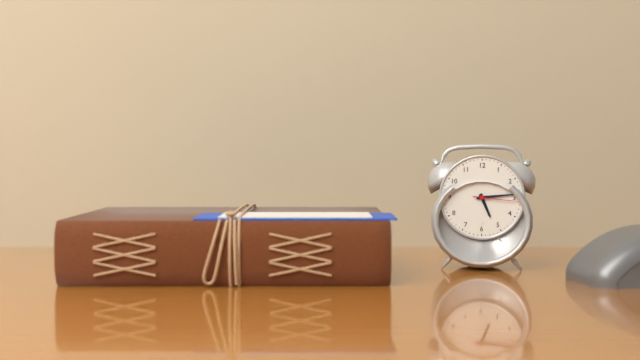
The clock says {"hour": 5, "minute": 14}
